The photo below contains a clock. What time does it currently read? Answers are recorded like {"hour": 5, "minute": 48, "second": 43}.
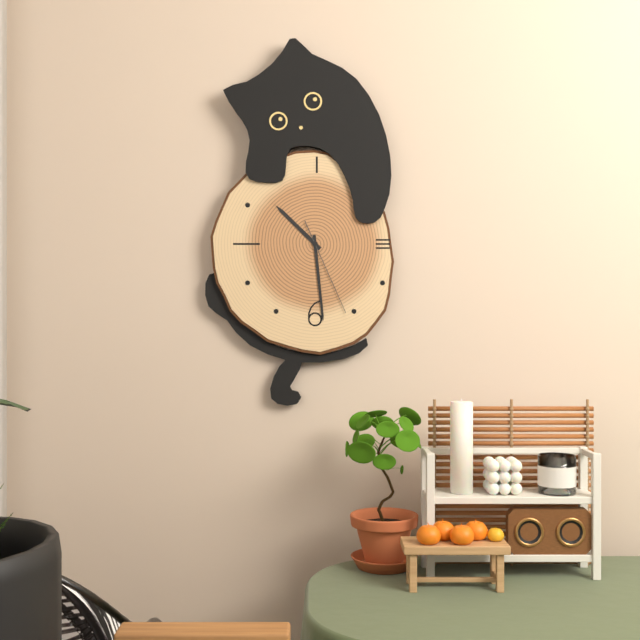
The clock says {"hour": 10, "minute": 29, "second": 26}
